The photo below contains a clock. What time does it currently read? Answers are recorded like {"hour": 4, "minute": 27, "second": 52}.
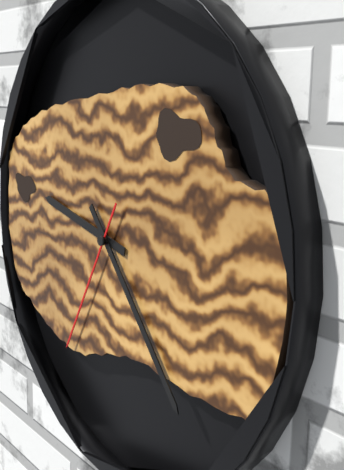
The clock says {"hour": 9, "minute": 23, "second": 35}
